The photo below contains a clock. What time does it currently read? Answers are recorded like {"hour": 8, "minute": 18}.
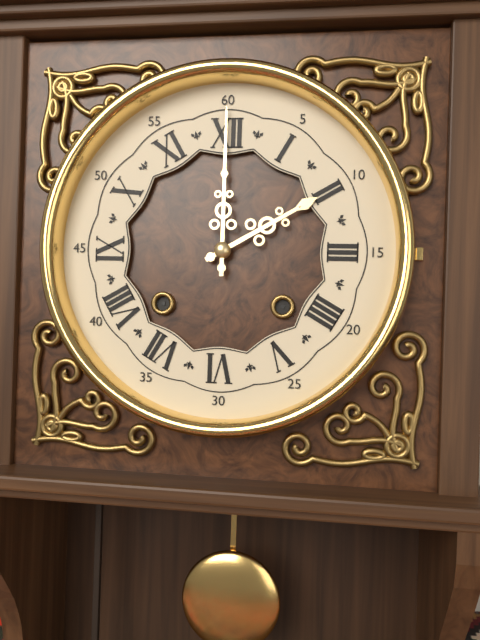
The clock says {"hour": 2, "minute": 0}
